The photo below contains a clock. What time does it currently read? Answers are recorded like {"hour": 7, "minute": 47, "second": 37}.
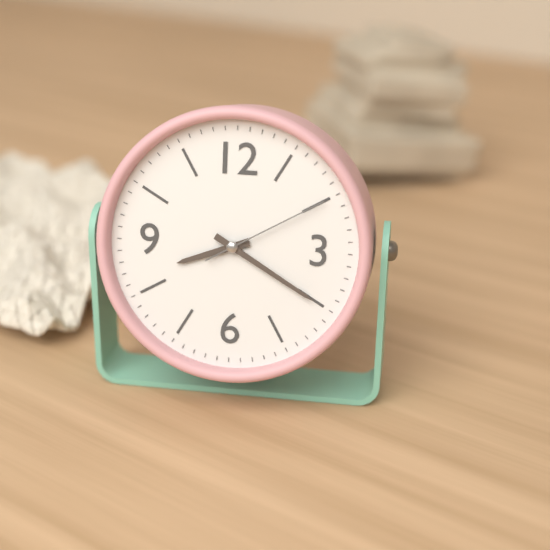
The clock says {"hour": 8, "minute": 20, "second": 10}
